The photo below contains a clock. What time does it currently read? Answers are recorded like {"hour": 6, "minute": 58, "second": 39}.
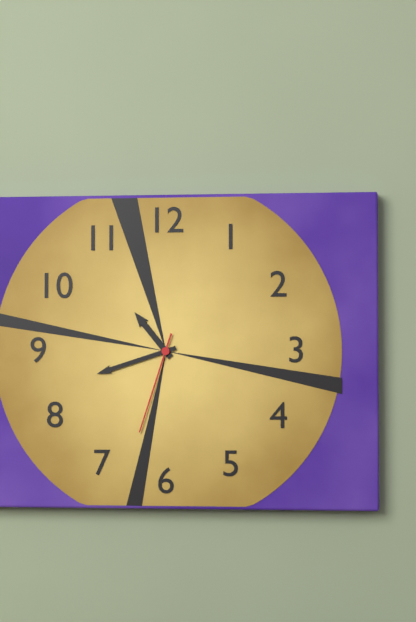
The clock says {"hour": 10, "minute": 42, "second": 33}
